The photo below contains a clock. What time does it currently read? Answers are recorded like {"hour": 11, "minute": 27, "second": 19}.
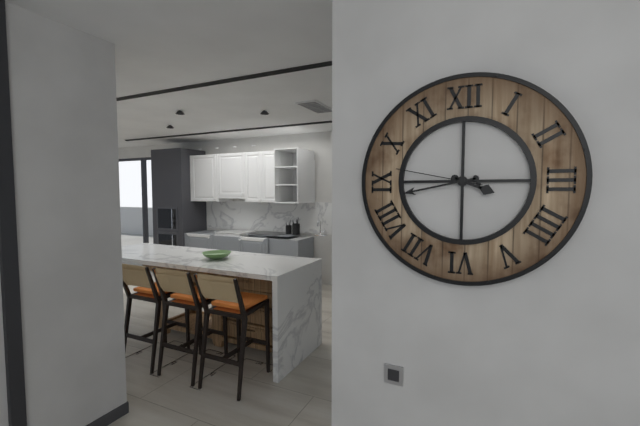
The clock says {"hour": 3, "minute": 43, "second": 47}
